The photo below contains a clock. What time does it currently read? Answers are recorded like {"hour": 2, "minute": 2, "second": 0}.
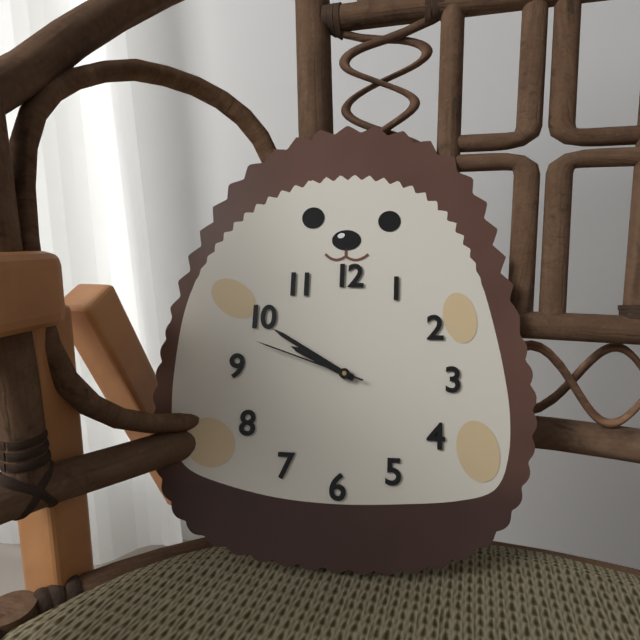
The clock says {"hour": 9, "minute": 50, "second": 48}
